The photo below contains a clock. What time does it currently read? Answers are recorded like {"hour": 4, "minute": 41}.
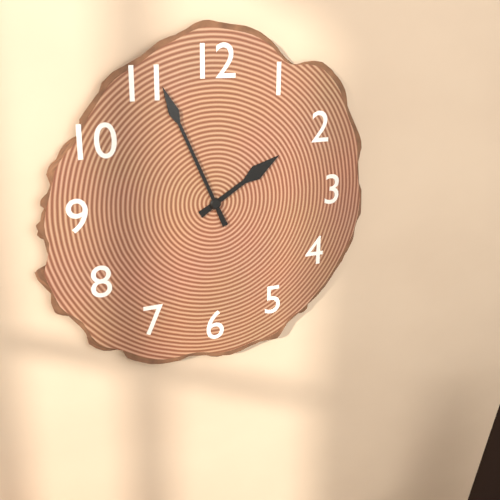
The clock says {"hour": 1, "minute": 56}
